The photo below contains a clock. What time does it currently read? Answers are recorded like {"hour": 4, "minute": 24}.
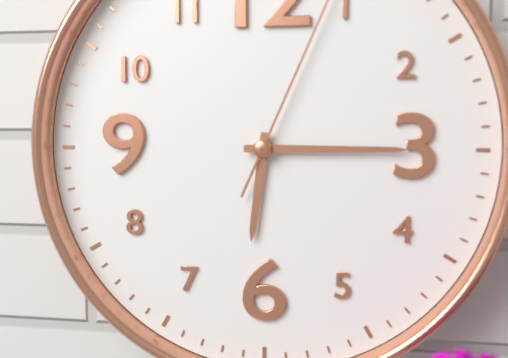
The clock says {"hour": 6, "minute": 15}
